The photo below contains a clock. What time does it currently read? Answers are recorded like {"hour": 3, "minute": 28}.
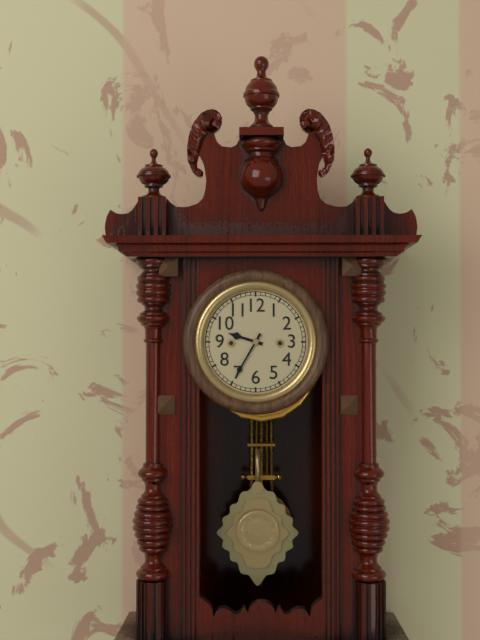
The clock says {"hour": 9, "minute": 35}
